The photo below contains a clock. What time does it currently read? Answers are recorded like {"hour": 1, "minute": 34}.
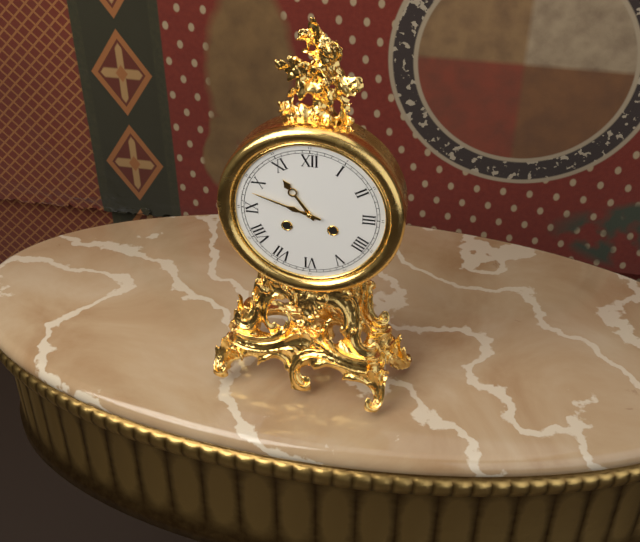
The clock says {"hour": 10, "minute": 48}
